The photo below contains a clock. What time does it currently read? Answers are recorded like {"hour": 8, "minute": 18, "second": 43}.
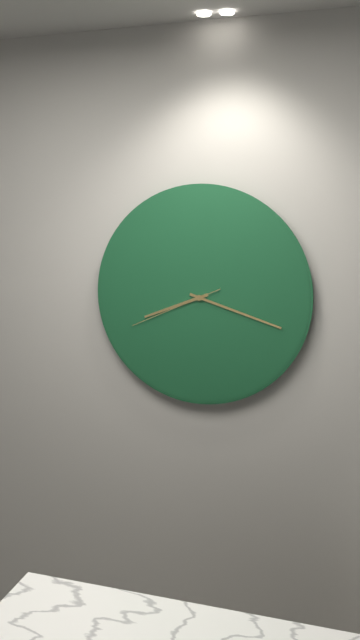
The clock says {"hour": 8, "minute": 18, "second": 41}
